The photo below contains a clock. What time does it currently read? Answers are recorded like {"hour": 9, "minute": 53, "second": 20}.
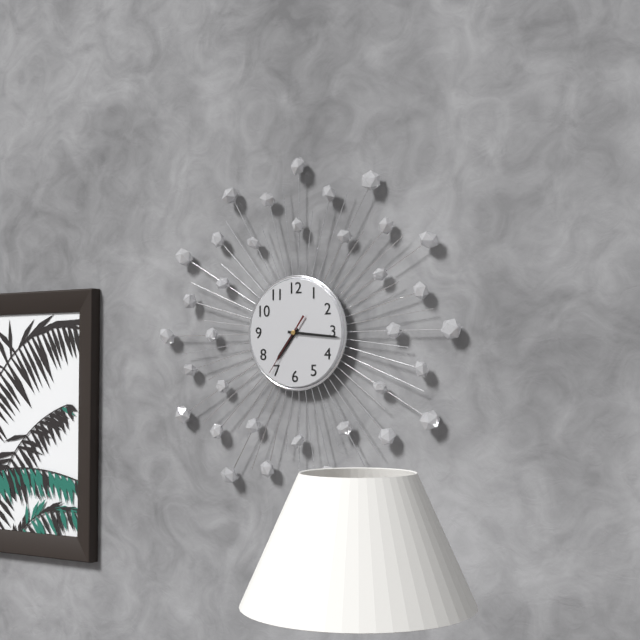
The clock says {"hour": 7, "minute": 16, "second": 36}
